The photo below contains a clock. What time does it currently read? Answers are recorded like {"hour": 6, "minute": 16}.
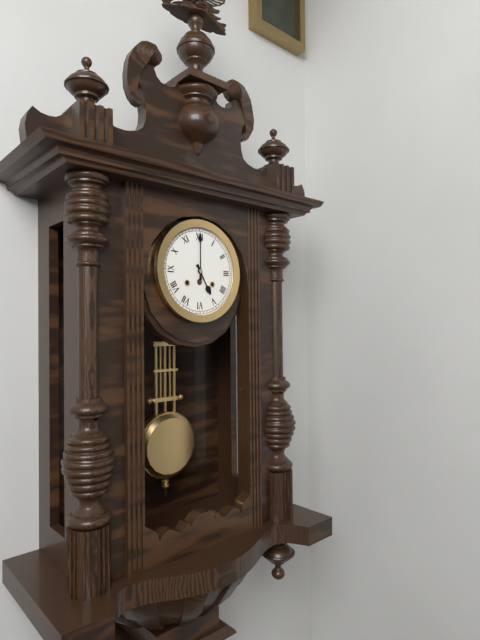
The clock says {"hour": 5, "minute": 0}
